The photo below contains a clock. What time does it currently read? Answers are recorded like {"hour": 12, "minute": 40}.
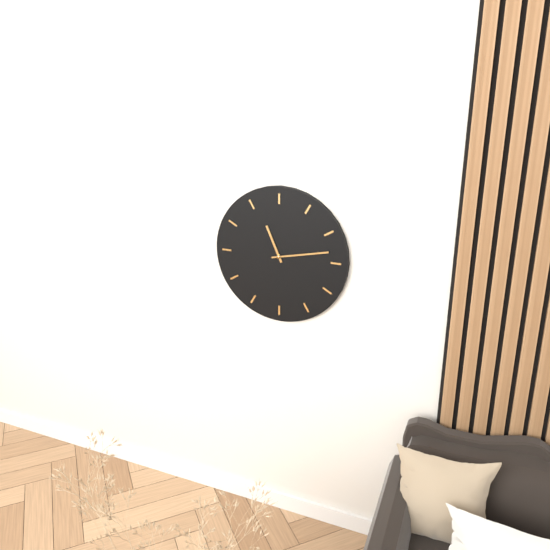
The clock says {"hour": 11, "minute": 13}
